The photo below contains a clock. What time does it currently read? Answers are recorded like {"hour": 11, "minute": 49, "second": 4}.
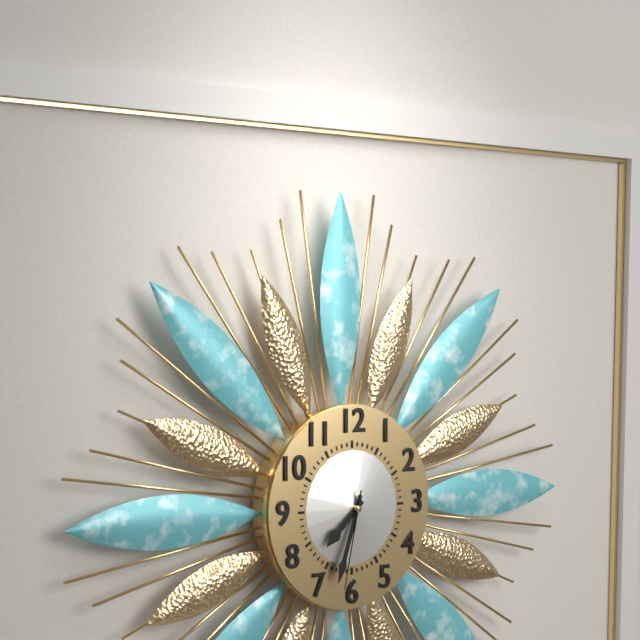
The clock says {"hour": 7, "minute": 33, "second": 32}
